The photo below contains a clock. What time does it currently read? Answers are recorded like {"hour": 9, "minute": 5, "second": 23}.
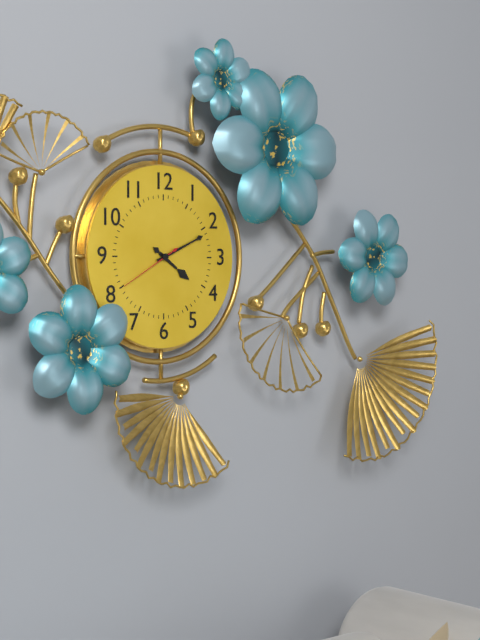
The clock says {"hour": 4, "minute": 11, "second": 40}
